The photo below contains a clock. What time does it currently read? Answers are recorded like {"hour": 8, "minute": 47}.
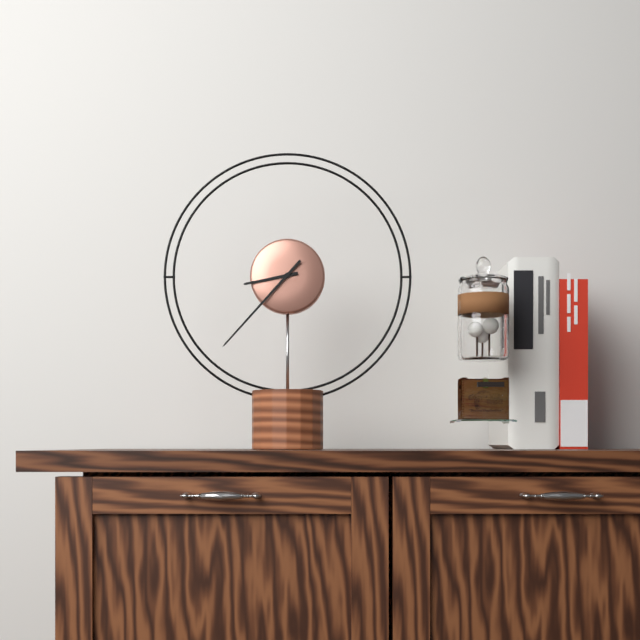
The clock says {"hour": 8, "minute": 37}
